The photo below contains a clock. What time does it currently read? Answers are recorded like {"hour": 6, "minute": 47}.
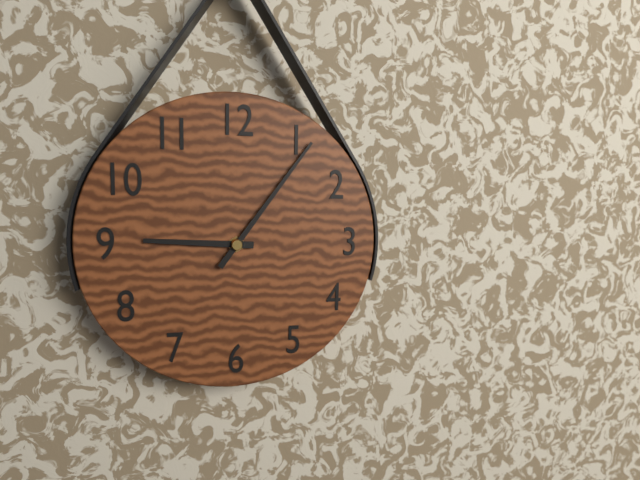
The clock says {"hour": 9, "minute": 6}
